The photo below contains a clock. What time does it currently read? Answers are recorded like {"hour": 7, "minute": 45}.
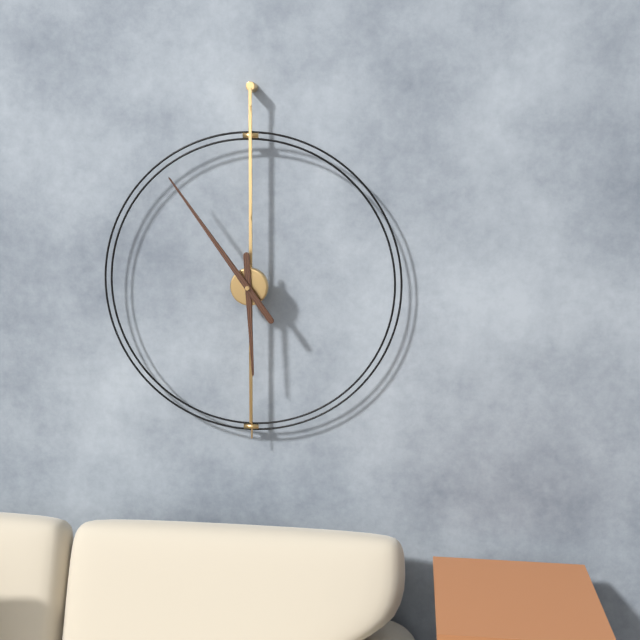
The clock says {"hour": 5, "minute": 54}
